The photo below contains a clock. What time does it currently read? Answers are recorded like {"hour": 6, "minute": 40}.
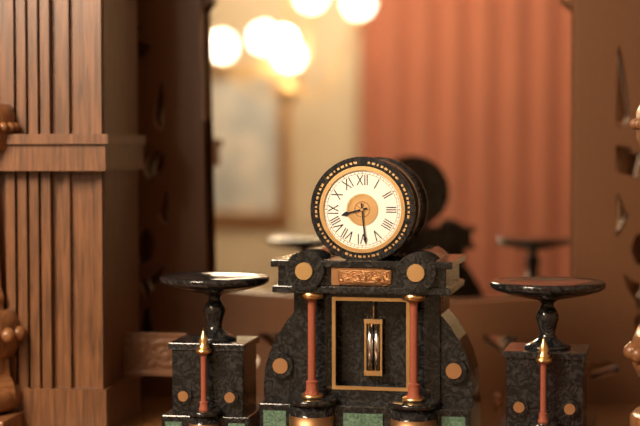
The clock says {"hour": 8, "minute": 29}
